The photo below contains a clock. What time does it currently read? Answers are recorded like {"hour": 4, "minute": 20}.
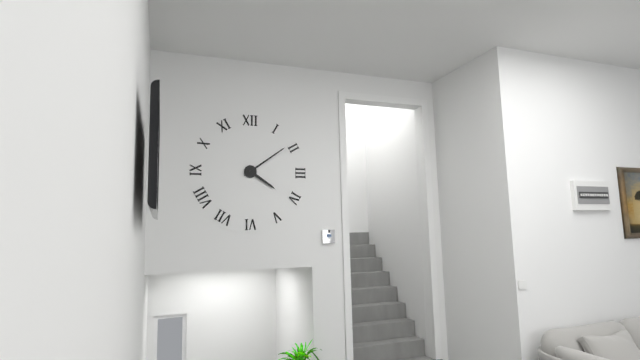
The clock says {"hour": 4, "minute": 9}
